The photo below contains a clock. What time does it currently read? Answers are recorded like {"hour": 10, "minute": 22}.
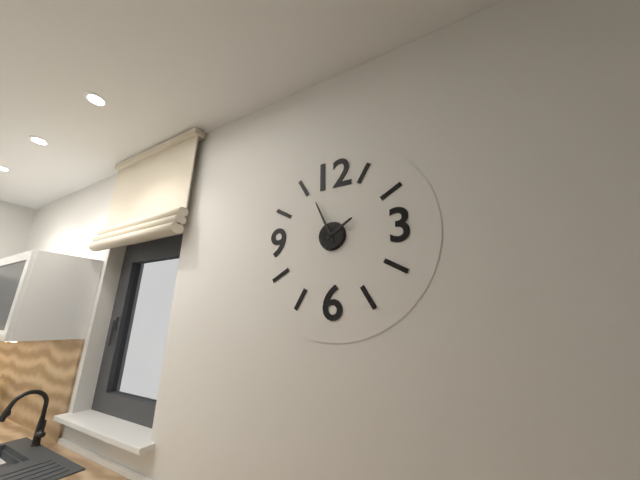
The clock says {"hour": 1, "minute": 56}
